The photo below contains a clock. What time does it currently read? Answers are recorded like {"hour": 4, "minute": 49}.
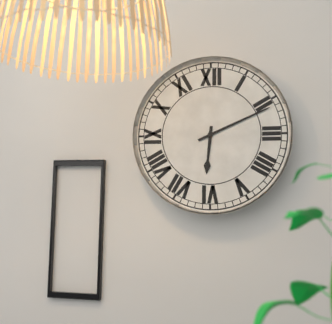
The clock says {"hour": 6, "minute": 11}
